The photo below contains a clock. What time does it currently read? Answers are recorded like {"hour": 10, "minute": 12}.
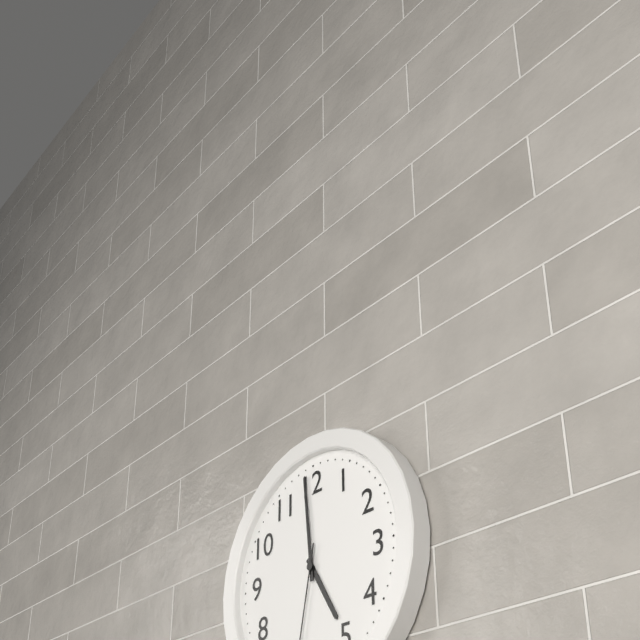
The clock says {"hour": 4, "minute": 59}
